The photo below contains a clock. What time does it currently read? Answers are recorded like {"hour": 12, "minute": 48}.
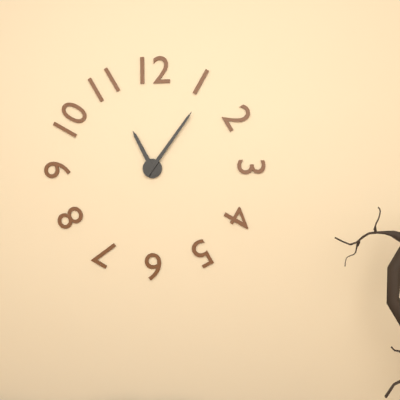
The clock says {"hour": 11, "minute": 6}
